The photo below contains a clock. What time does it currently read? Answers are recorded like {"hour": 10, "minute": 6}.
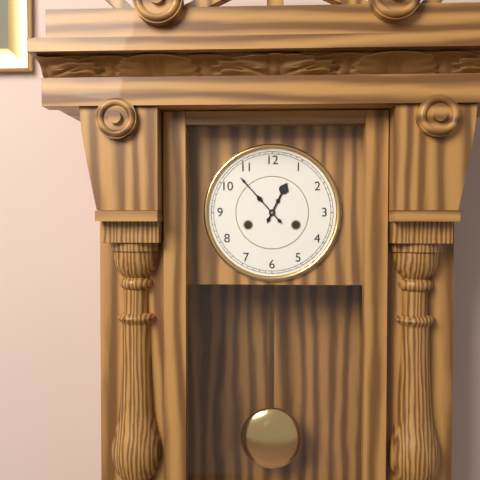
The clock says {"hour": 12, "minute": 53}
